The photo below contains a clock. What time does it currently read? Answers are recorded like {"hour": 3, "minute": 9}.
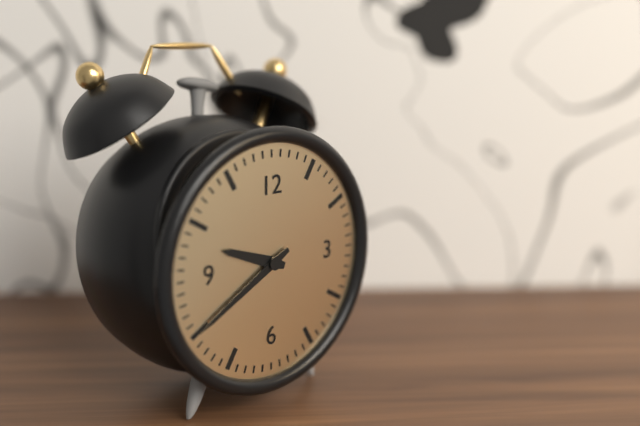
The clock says {"hour": 9, "minute": 40}
